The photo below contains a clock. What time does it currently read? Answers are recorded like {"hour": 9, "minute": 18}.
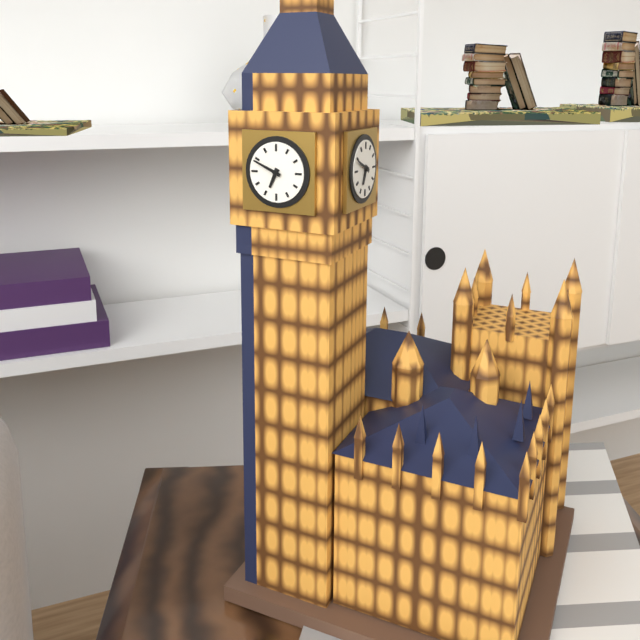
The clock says {"hour": 6, "minute": 49}
